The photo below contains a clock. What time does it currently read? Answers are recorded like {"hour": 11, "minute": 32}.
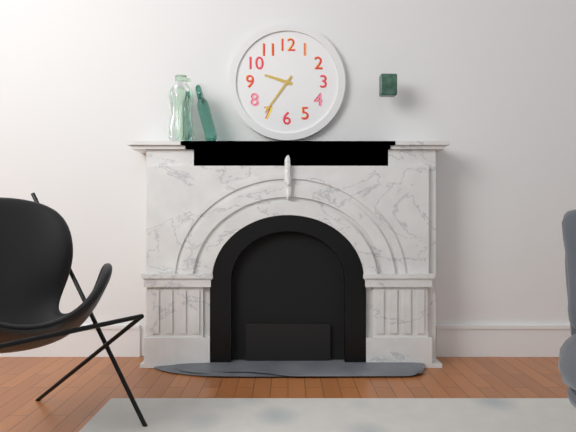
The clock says {"hour": 9, "minute": 36}
